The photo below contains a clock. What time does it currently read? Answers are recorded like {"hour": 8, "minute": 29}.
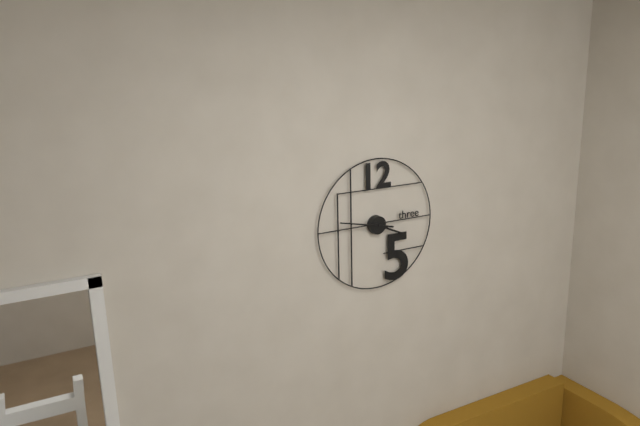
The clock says {"hour": 3, "minute": 47}
